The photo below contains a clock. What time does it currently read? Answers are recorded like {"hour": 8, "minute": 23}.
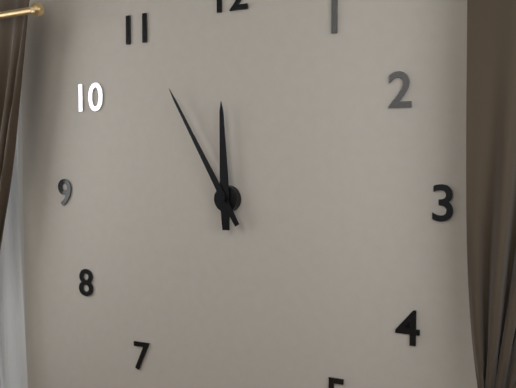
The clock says {"hour": 11, "minute": 55}
